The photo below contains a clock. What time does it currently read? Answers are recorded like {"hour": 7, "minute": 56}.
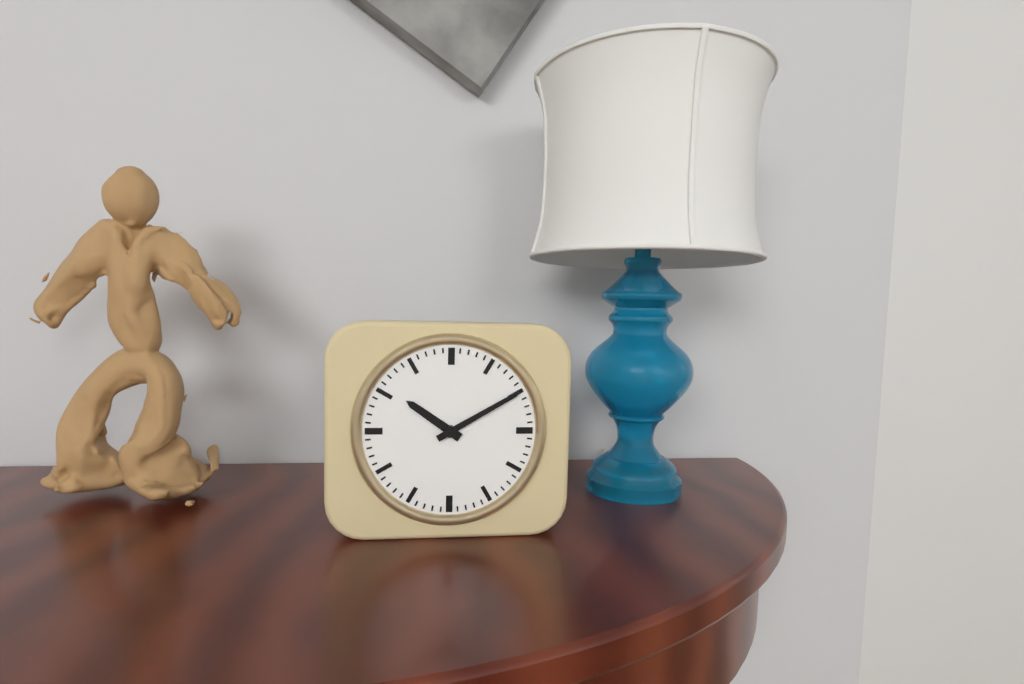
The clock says {"hour": 10, "minute": 10}
